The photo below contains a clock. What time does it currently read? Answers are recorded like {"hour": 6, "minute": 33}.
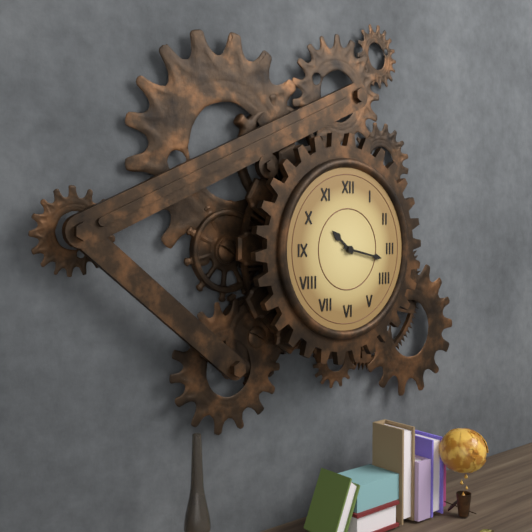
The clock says {"hour": 10, "minute": 17}
